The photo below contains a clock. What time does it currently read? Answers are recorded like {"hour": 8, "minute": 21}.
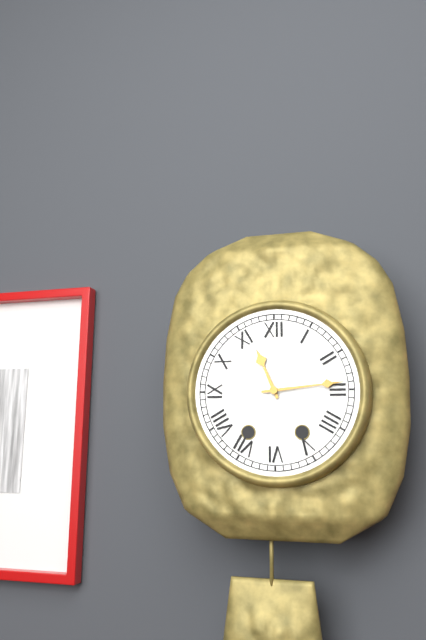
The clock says {"hour": 11, "minute": 14}
